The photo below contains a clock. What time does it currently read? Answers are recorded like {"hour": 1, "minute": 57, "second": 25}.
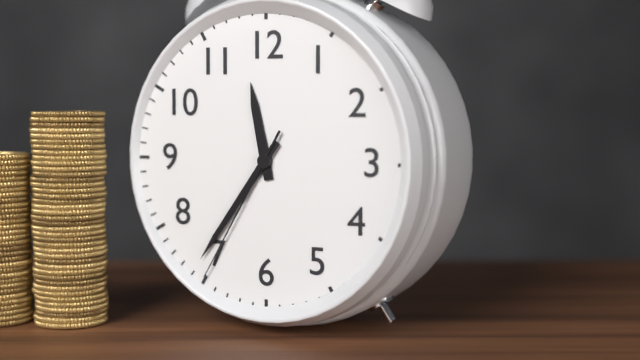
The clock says {"hour": 11, "minute": 36, "second": 35}
